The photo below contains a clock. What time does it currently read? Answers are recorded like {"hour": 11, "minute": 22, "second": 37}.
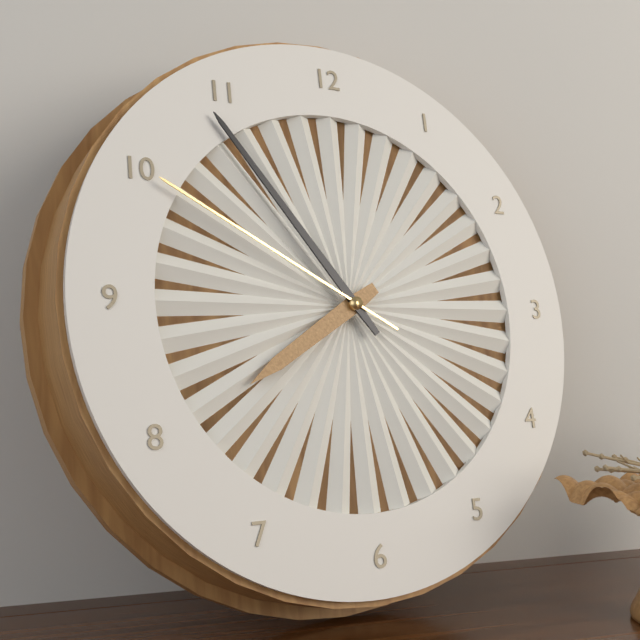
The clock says {"hour": 7, "minute": 54, "second": 50}
